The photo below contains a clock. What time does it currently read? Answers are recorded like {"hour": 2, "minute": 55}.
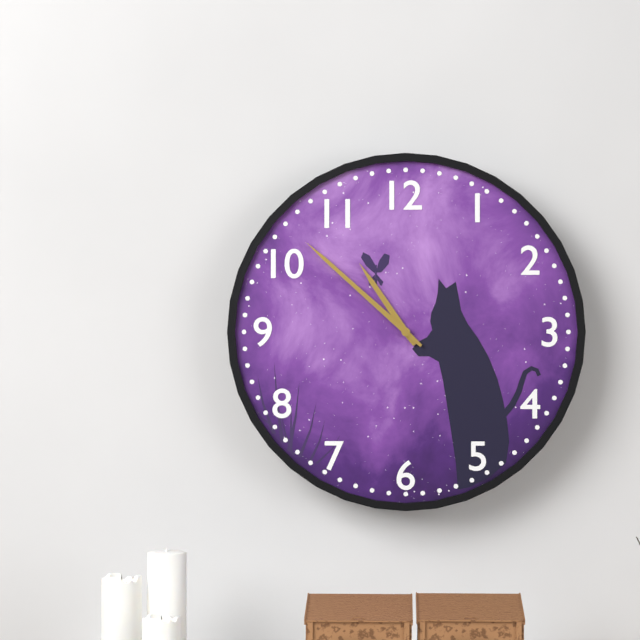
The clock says {"hour": 10, "minute": 52}
